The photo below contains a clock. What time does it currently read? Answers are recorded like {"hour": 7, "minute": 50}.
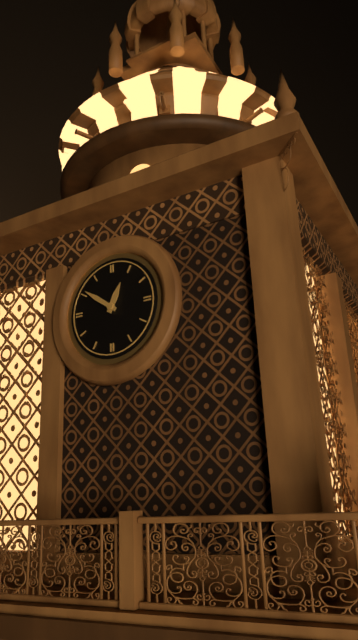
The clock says {"hour": 12, "minute": 51}
